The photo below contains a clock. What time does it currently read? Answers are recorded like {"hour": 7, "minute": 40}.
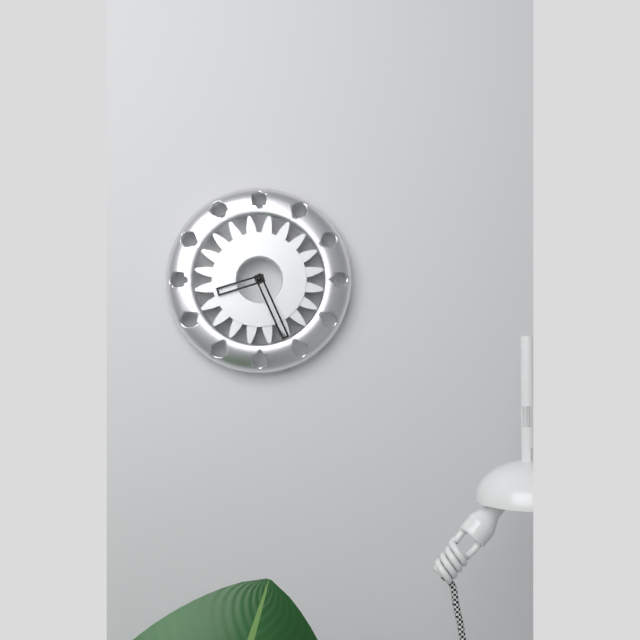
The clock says {"hour": 8, "minute": 26}
